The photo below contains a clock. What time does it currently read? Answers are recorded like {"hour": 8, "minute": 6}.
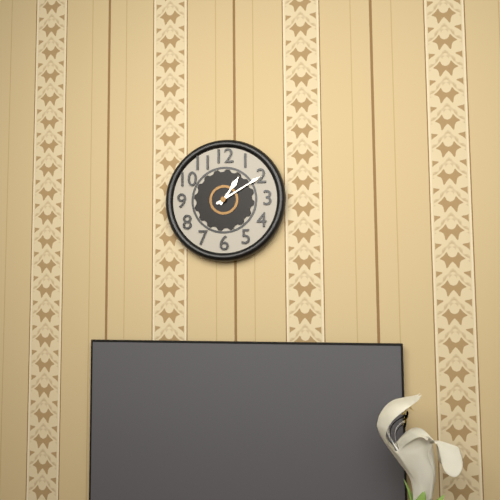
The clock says {"hour": 1, "minute": 10}
